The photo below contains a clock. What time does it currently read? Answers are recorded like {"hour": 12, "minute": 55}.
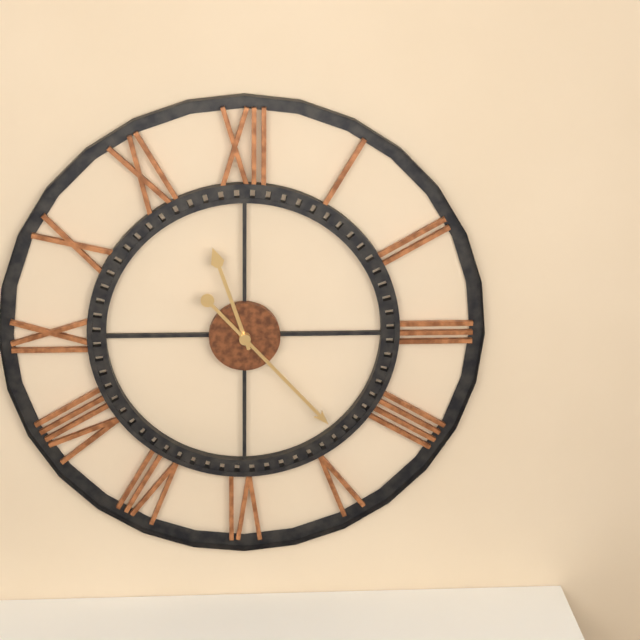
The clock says {"hour": 11, "minute": 23}
